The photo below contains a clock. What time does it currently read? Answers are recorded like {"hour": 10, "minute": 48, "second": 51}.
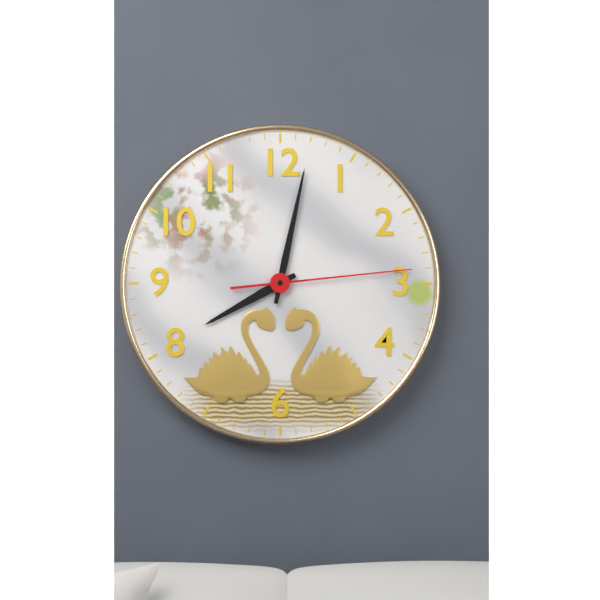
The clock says {"hour": 8, "minute": 2, "second": 14}
